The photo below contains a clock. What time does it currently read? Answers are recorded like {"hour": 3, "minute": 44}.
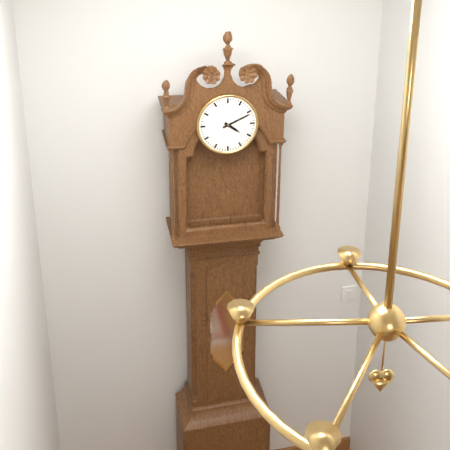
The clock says {"hour": 4, "minute": 11}
